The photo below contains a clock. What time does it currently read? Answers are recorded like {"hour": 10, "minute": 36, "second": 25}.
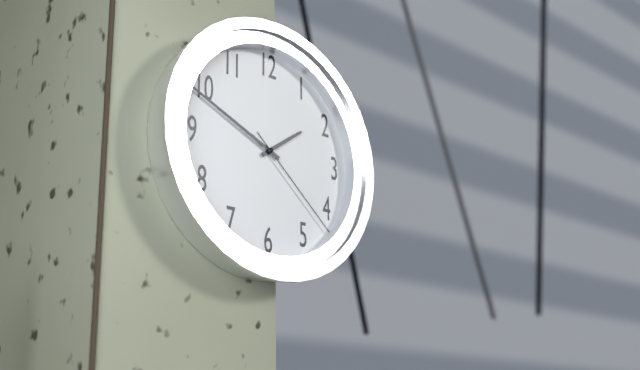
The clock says {"hour": 1, "minute": 49, "second": 22}
